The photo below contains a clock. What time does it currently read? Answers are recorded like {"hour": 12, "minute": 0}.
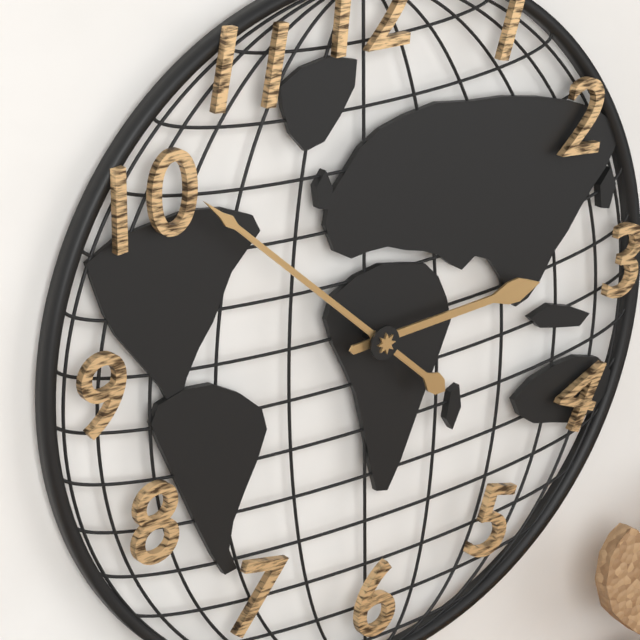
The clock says {"hour": 2, "minute": 52}
